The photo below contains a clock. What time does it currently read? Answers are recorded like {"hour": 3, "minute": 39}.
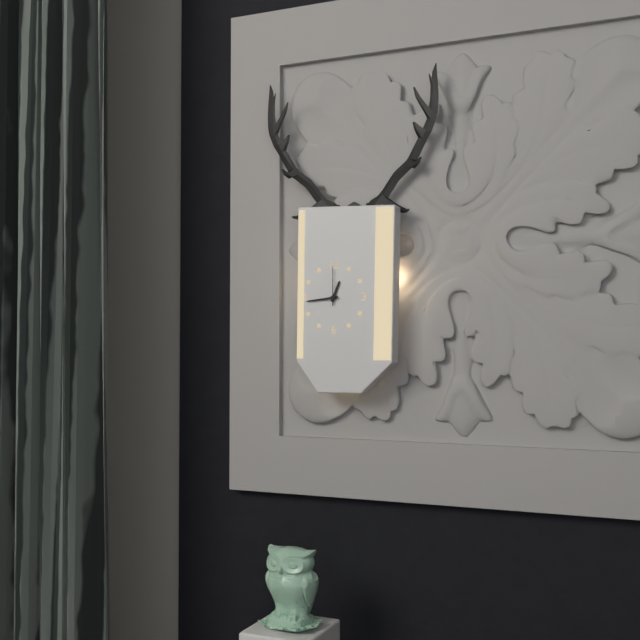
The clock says {"hour": 12, "minute": 44}
